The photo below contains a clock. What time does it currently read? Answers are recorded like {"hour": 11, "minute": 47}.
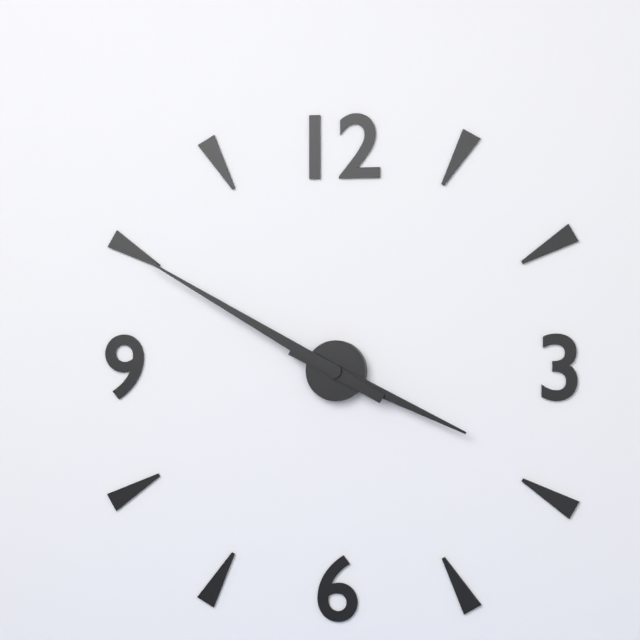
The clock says {"hour": 3, "minute": 50}
